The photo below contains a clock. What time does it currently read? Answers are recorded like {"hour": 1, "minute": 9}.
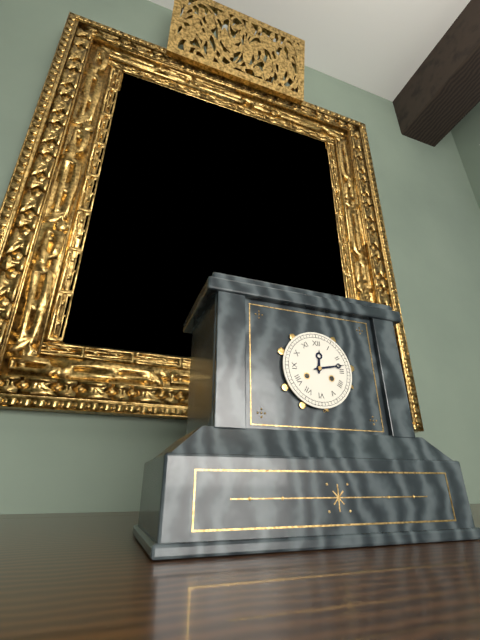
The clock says {"hour": 12, "minute": 13}
